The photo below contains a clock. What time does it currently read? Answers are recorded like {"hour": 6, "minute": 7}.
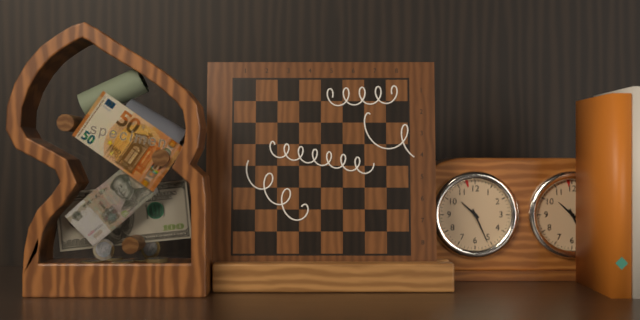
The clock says {"hour": 10, "minute": 26}
